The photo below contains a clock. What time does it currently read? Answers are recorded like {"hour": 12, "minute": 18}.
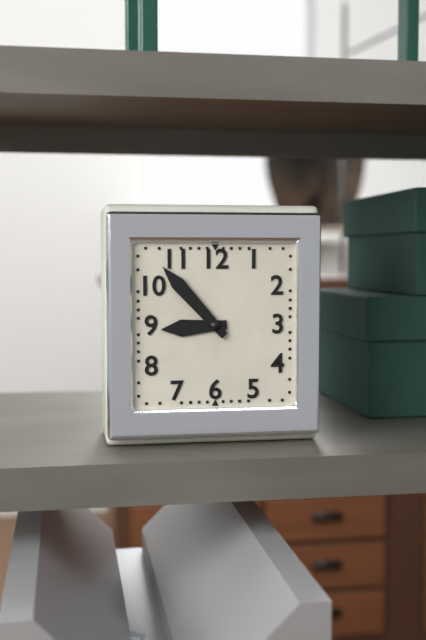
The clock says {"hour": 8, "minute": 53}
